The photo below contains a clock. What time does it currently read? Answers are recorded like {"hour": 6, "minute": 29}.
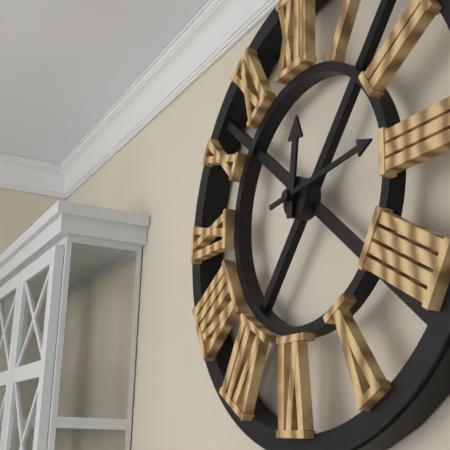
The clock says {"hour": 12, "minute": 14}
